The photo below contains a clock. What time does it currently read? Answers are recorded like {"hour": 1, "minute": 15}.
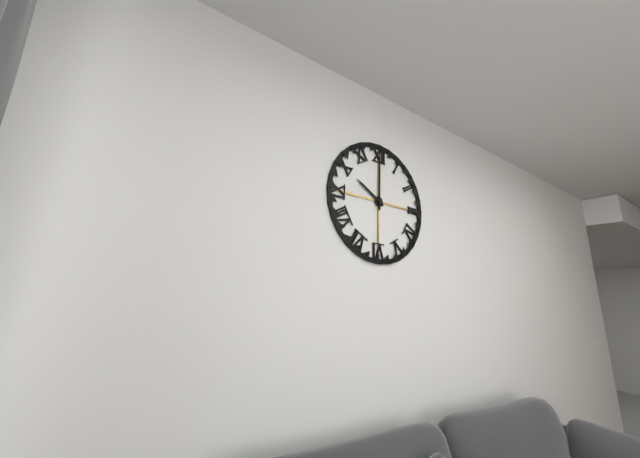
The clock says {"hour": 10, "minute": 0}
